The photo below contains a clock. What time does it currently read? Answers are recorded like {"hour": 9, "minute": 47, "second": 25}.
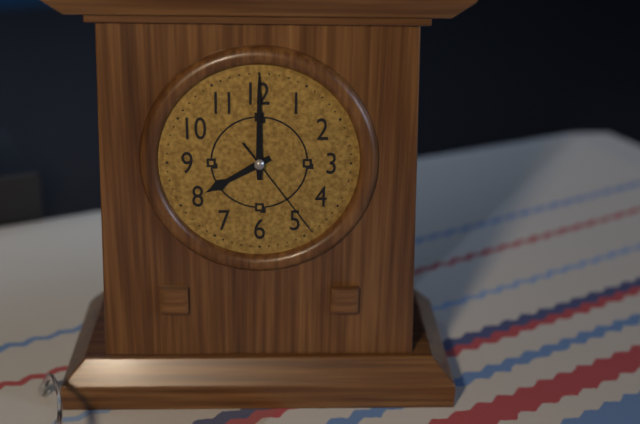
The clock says {"hour": 8, "minute": 0, "second": 24}
